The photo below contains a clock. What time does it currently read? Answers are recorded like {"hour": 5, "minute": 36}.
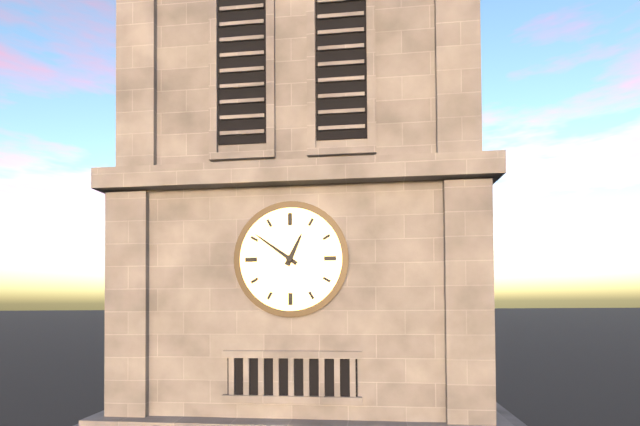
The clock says {"hour": 12, "minute": 51}
